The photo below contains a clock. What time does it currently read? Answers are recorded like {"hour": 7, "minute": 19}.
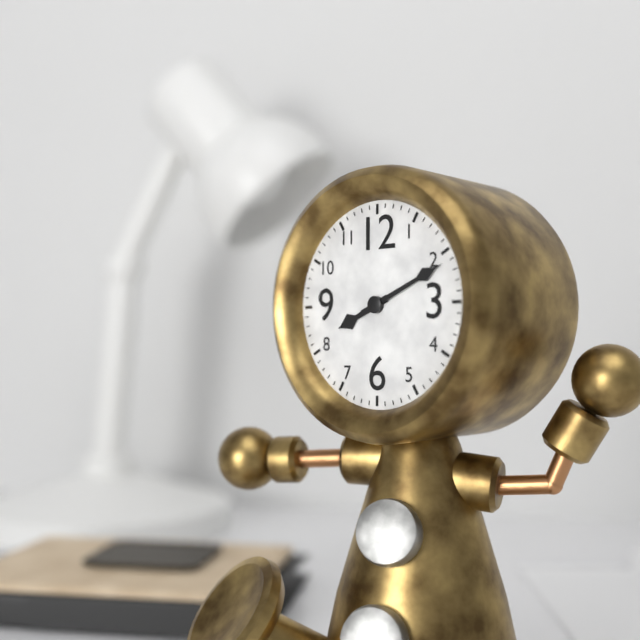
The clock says {"hour": 8, "minute": 11}
